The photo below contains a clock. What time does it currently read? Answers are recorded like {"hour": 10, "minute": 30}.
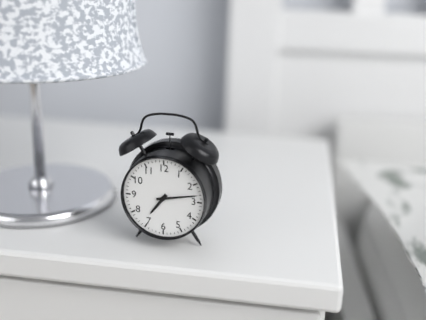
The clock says {"hour": 7, "minute": 13}
